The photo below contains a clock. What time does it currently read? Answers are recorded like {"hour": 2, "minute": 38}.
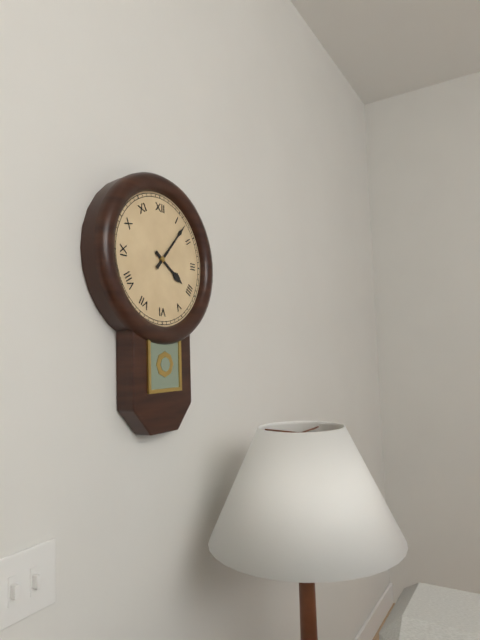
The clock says {"hour": 4, "minute": 7}
